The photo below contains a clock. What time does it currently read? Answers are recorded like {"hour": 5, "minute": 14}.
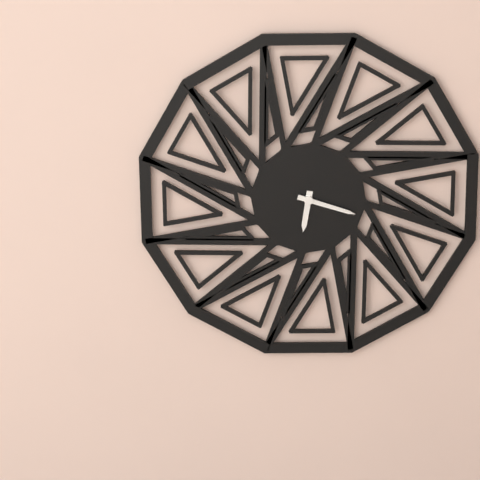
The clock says {"hour": 6, "minute": 18}
